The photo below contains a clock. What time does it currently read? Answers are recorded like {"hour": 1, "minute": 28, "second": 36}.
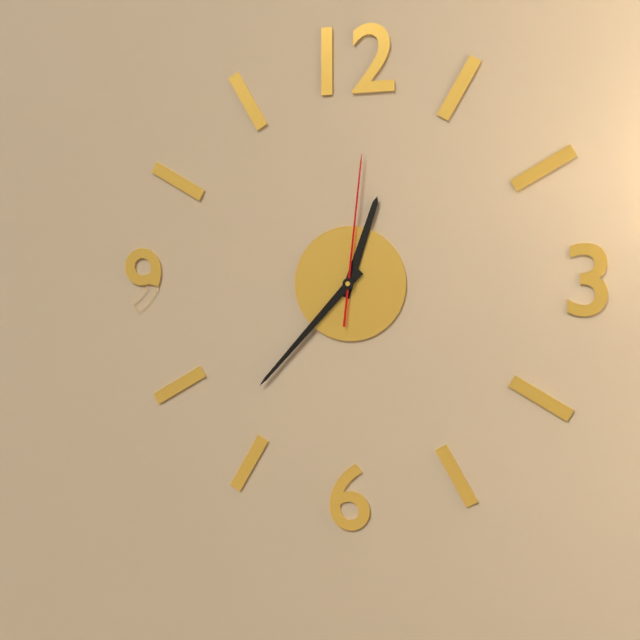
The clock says {"hour": 12, "minute": 37, "second": 1}
